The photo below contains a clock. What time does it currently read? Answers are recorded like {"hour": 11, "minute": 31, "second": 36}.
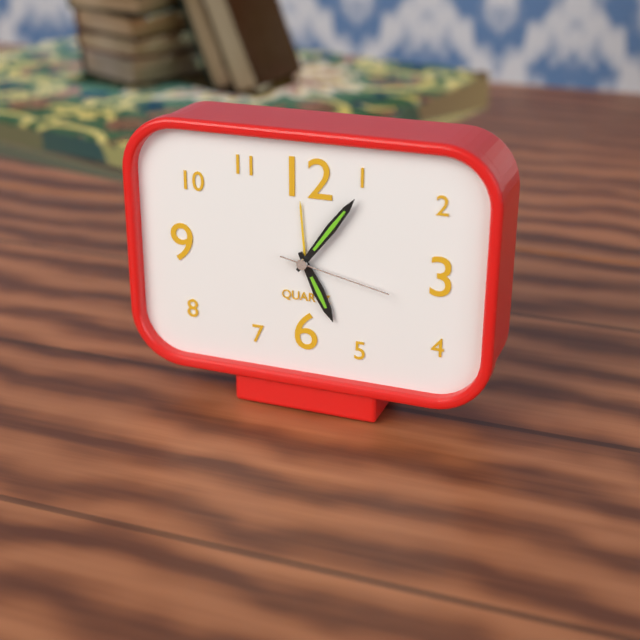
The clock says {"hour": 5, "minute": 6, "second": 17}
